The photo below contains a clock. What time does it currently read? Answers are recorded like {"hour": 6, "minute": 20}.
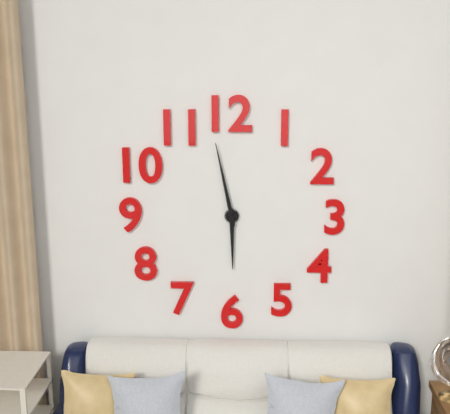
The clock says {"hour": 5, "minute": 58}
